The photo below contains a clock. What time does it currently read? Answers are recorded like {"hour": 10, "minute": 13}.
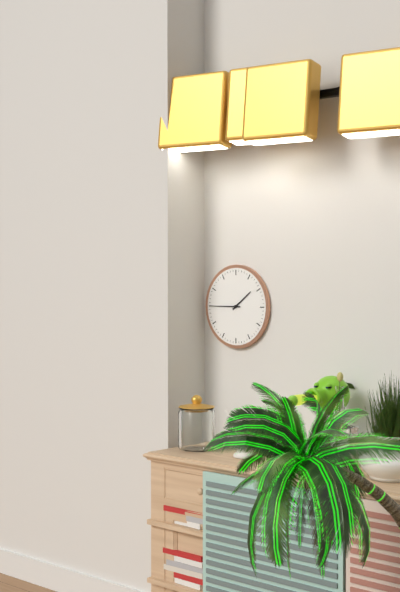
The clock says {"hour": 1, "minute": 45}
